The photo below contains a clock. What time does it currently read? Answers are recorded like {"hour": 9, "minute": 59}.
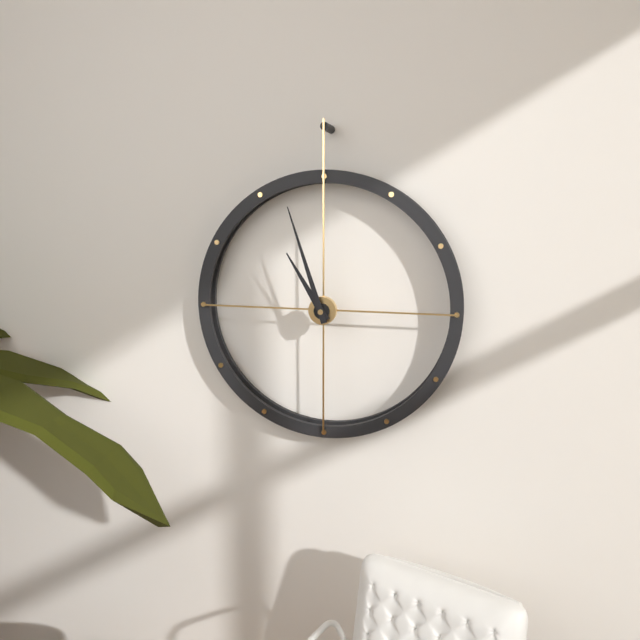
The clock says {"hour": 10, "minute": 57}
